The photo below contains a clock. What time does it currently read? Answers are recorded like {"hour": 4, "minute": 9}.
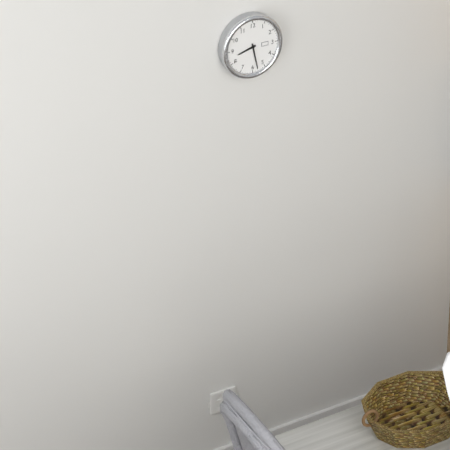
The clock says {"hour": 8, "minute": 28}
